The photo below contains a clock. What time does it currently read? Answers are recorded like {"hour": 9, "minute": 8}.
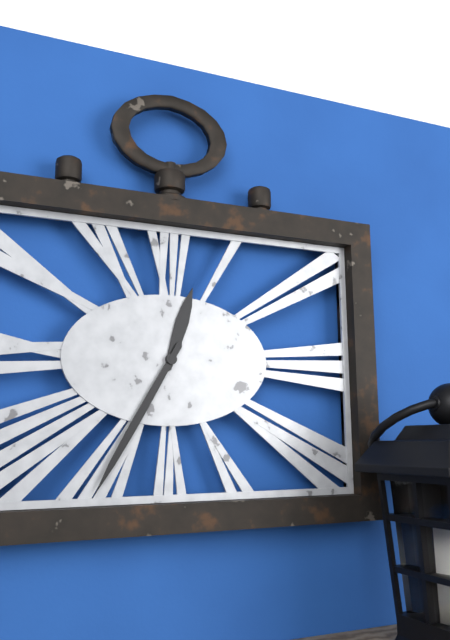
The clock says {"hour": 12, "minute": 35}
